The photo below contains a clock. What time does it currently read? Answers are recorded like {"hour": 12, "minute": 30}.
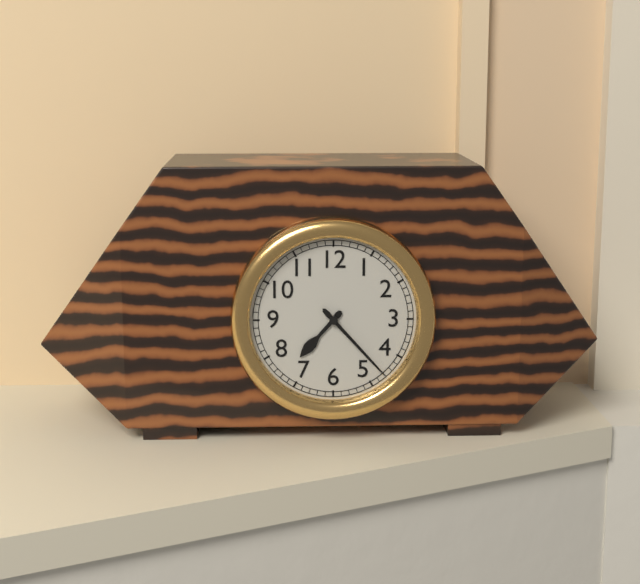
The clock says {"hour": 7, "minute": 23}
